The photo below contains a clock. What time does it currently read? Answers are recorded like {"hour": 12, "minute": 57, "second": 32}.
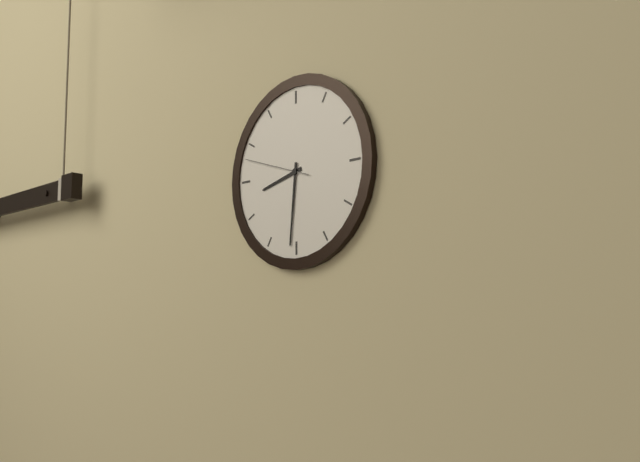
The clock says {"hour": 8, "minute": 31, "second": 48}
